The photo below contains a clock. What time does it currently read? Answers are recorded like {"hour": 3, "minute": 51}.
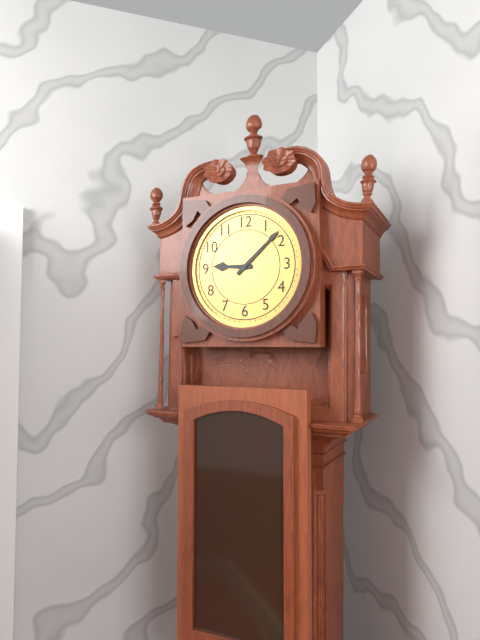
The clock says {"hour": 9, "minute": 8}
